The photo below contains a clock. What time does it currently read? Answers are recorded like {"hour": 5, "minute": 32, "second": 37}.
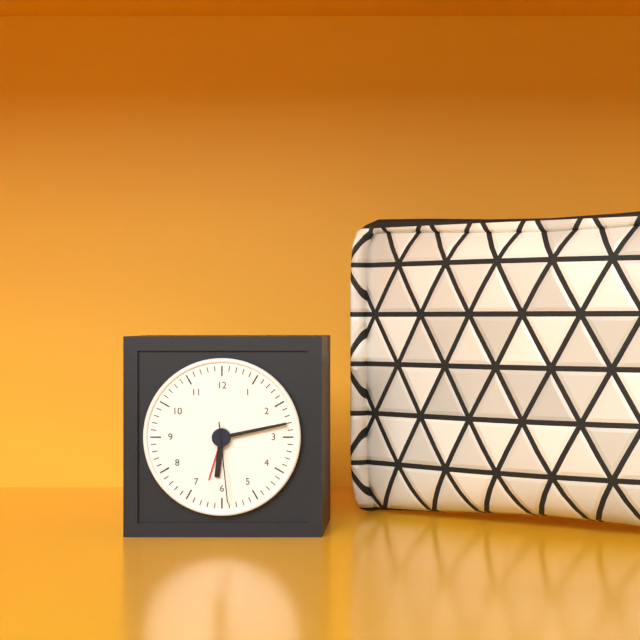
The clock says {"hour": 6, "minute": 13, "second": 29}
